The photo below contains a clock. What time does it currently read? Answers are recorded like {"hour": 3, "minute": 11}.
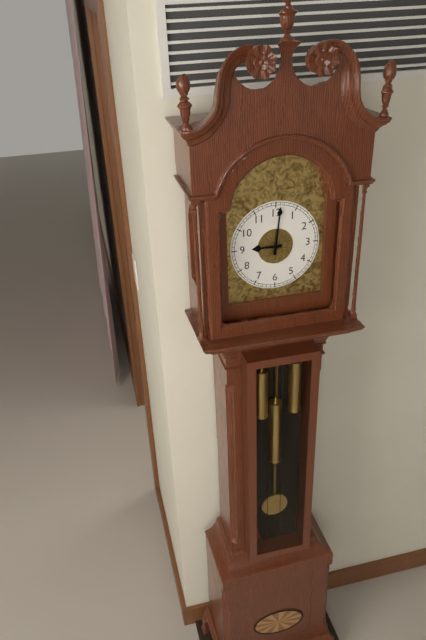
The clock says {"hour": 9, "minute": 1}
